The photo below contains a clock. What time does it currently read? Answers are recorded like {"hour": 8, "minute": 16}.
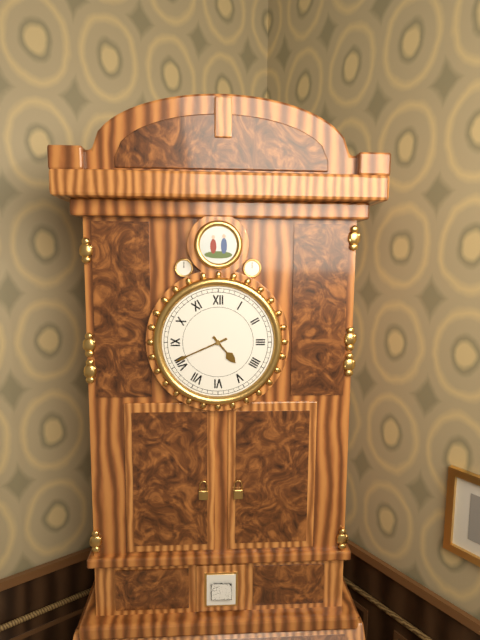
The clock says {"hour": 4, "minute": 41}
